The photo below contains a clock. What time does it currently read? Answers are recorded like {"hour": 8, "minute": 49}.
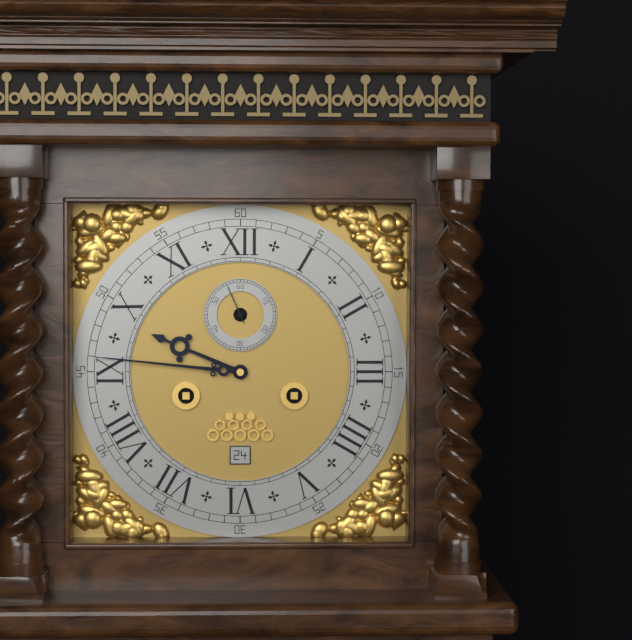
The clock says {"hour": 9, "minute": 46}
